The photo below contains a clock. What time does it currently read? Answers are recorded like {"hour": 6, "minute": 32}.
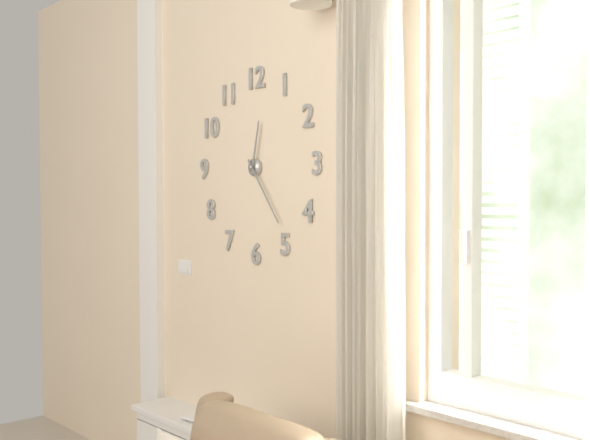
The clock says {"hour": 12, "minute": 24}
